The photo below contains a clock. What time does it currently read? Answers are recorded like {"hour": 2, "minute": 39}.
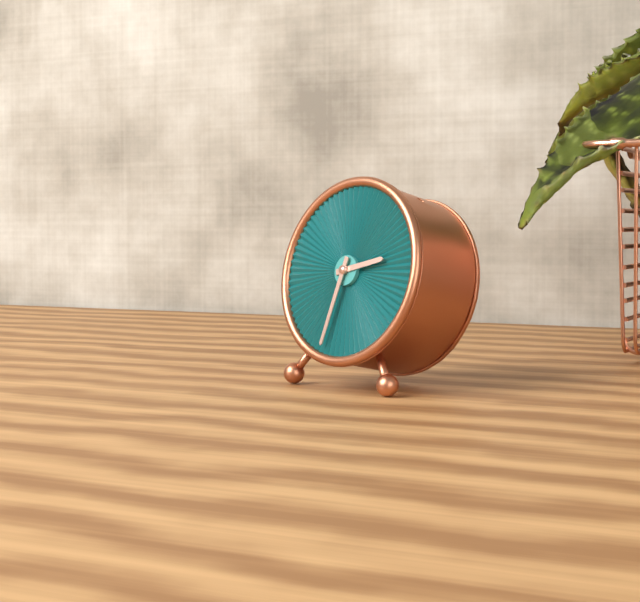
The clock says {"hour": 2, "minute": 32}
